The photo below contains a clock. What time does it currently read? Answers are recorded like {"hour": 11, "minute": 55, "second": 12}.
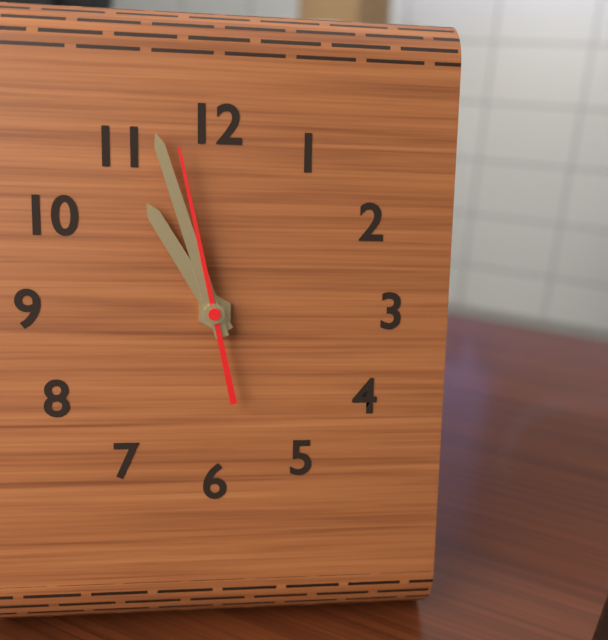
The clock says {"hour": 10, "minute": 57, "second": 58}
